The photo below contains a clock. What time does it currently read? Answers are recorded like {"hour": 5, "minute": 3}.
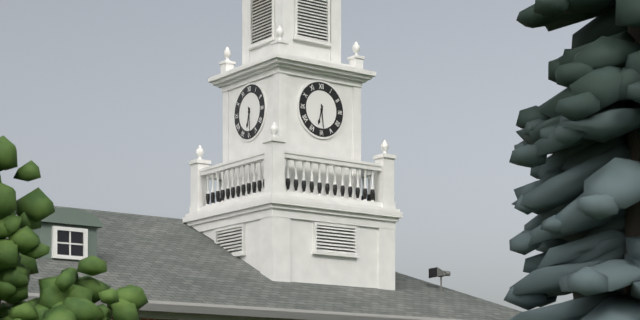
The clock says {"hour": 6, "minute": 29}
